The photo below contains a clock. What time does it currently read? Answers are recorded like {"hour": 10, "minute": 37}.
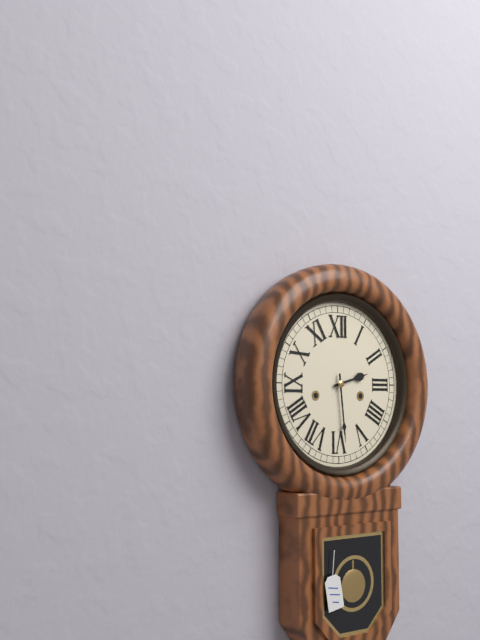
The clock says {"hour": 2, "minute": 29}
